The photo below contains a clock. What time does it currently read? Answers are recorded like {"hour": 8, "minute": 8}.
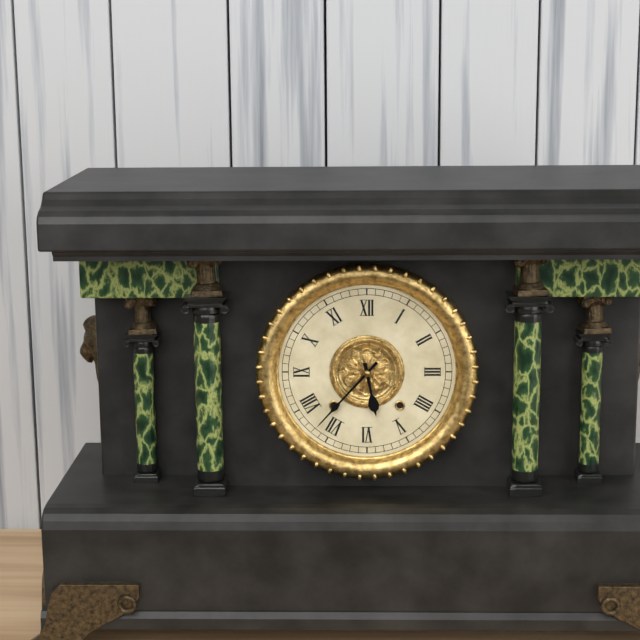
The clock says {"hour": 5, "minute": 37}
